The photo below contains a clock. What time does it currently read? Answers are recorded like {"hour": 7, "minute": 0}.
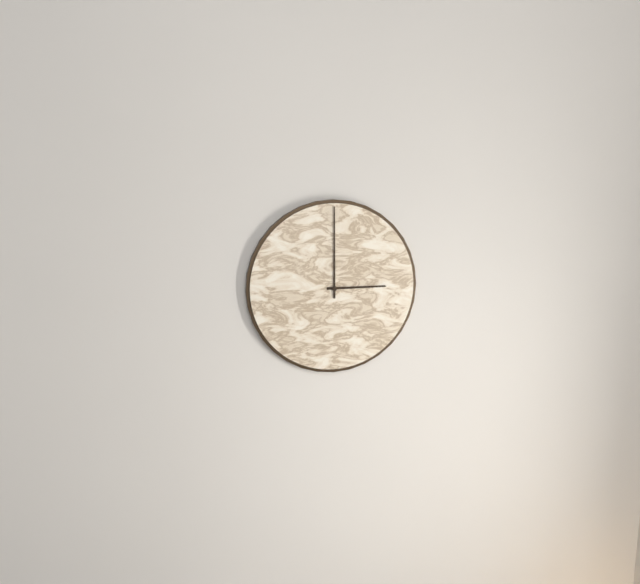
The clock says {"hour": 3, "minute": 0}
